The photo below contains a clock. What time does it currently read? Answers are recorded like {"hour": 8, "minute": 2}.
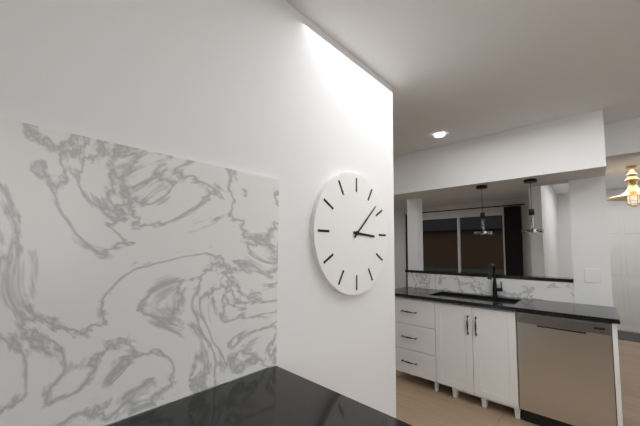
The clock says {"hour": 3, "minute": 8}
